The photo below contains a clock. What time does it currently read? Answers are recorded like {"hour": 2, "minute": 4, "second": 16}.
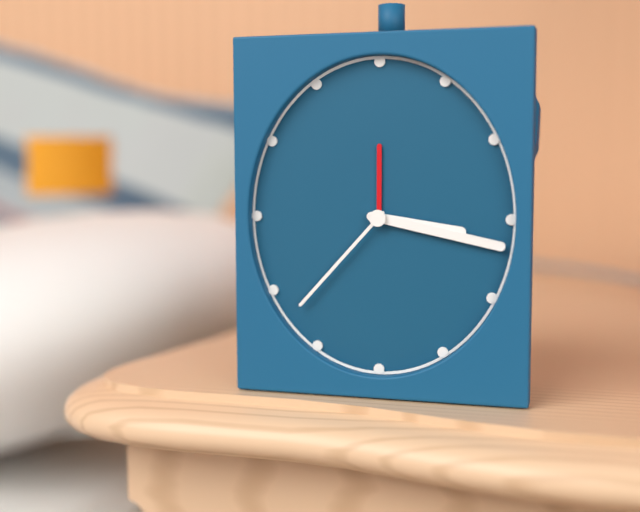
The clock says {"hour": 3, "minute": 17, "second": 37}
